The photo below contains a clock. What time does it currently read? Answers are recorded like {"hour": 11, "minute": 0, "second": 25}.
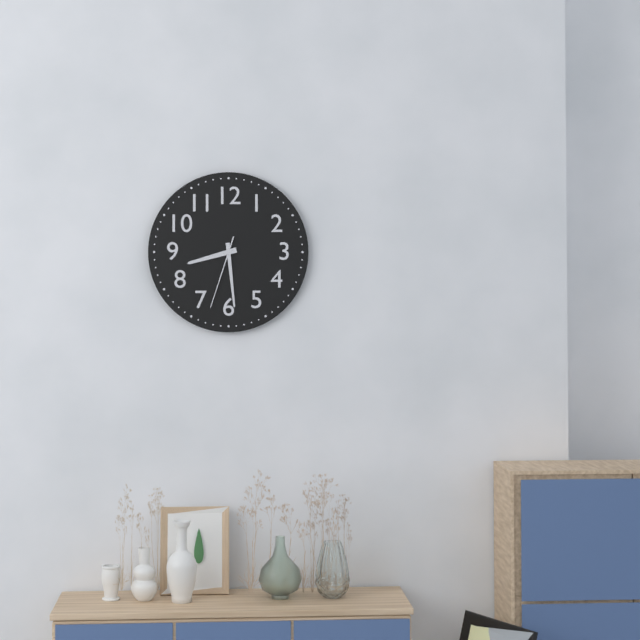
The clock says {"hour": 8, "minute": 29, "second": 33}
